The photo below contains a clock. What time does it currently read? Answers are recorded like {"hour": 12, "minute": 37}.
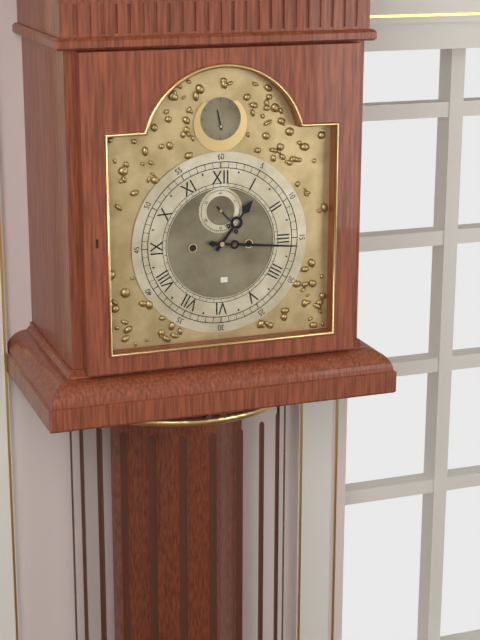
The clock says {"hour": 1, "minute": 16}
